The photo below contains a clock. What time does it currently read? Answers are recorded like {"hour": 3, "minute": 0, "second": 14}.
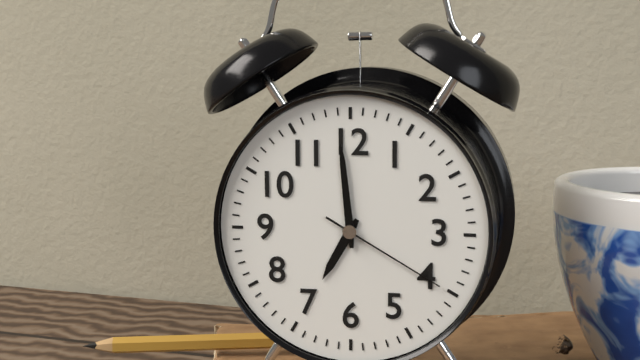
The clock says {"hour": 6, "minute": 59, "second": 20}
